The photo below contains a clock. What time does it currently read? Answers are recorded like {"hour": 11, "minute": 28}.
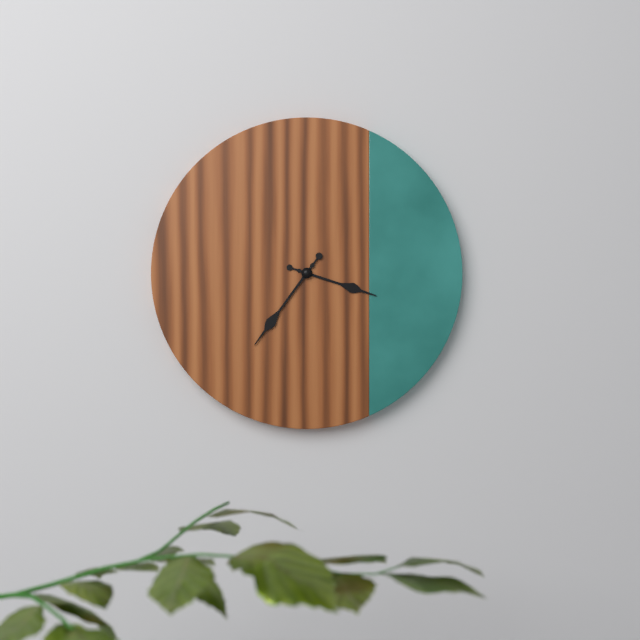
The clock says {"hour": 3, "minute": 36}
